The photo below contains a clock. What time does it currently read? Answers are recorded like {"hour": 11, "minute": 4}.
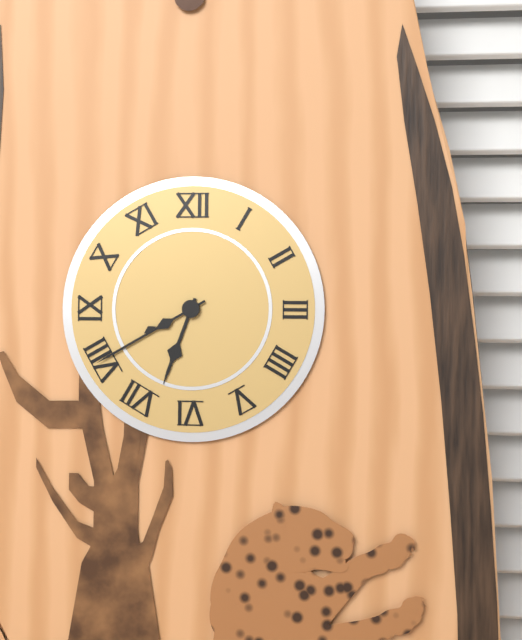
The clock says {"hour": 6, "minute": 40}
